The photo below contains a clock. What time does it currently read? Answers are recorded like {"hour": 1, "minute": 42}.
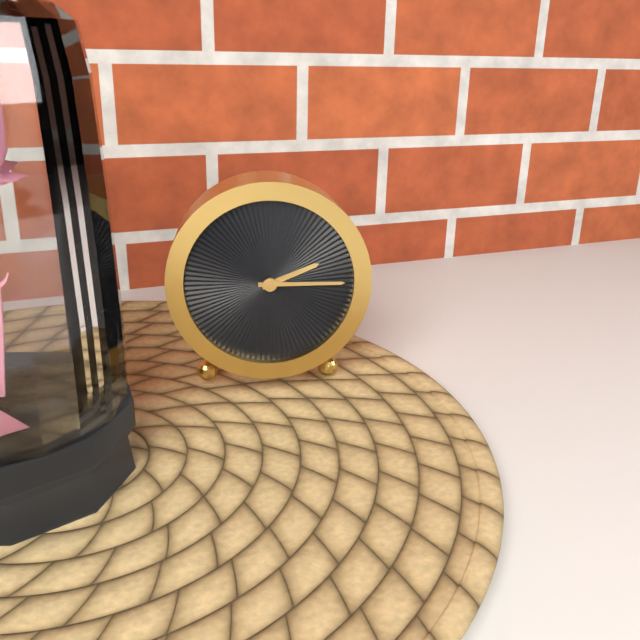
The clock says {"hour": 2, "minute": 15}
